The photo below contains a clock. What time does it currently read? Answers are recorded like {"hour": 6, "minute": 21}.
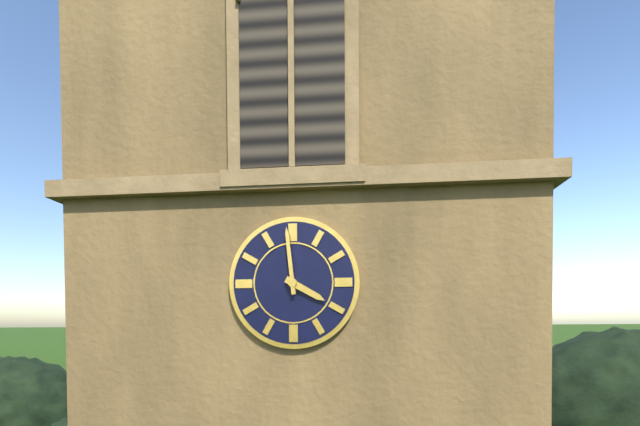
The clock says {"hour": 3, "minute": 59}
